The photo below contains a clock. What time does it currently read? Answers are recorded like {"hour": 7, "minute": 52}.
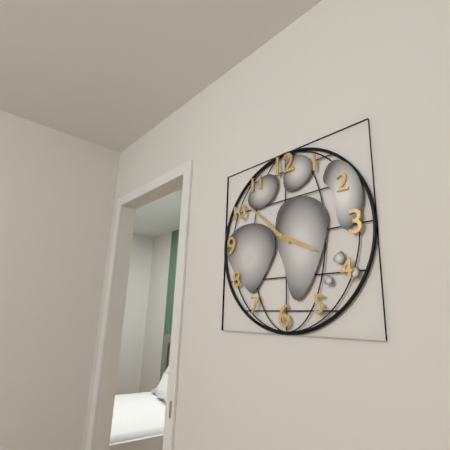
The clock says {"hour": 3, "minute": 52}
